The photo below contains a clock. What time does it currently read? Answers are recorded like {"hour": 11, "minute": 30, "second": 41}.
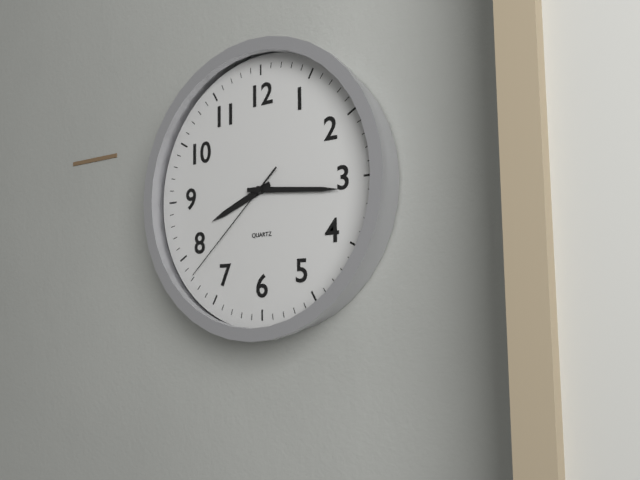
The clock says {"hour": 8, "minute": 16, "second": 38}
